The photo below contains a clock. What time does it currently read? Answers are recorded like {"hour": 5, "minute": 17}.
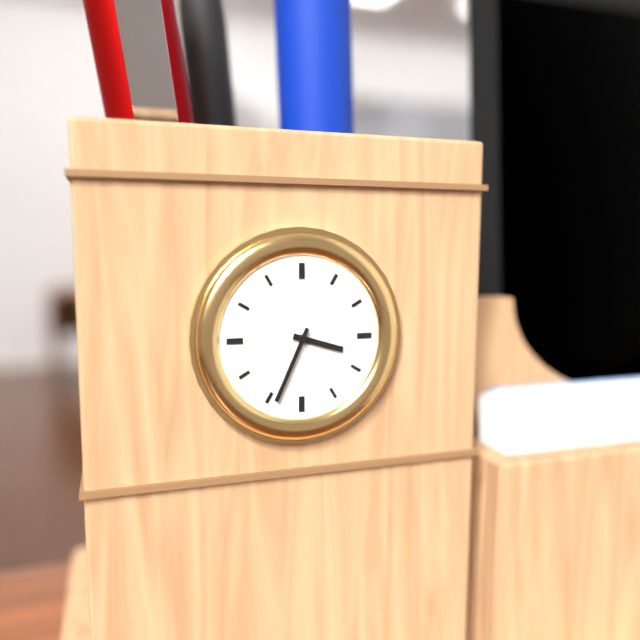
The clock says {"hour": 3, "minute": 34}
